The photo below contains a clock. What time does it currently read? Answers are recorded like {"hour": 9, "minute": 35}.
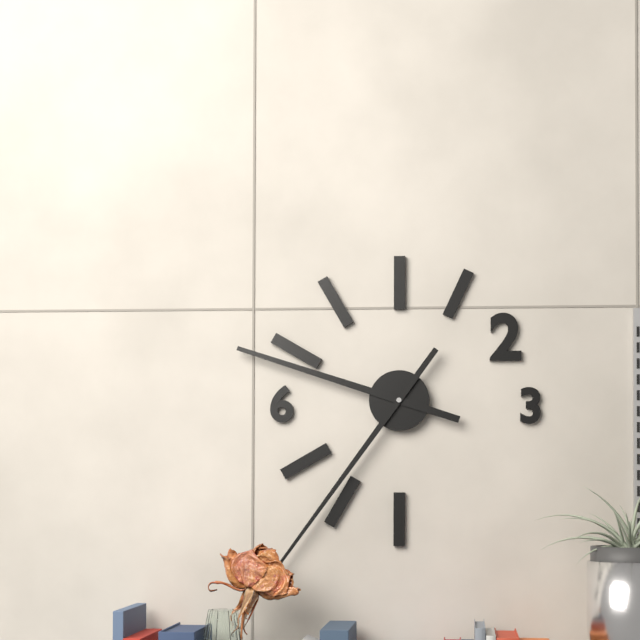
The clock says {"hour": 9, "minute": 36}
